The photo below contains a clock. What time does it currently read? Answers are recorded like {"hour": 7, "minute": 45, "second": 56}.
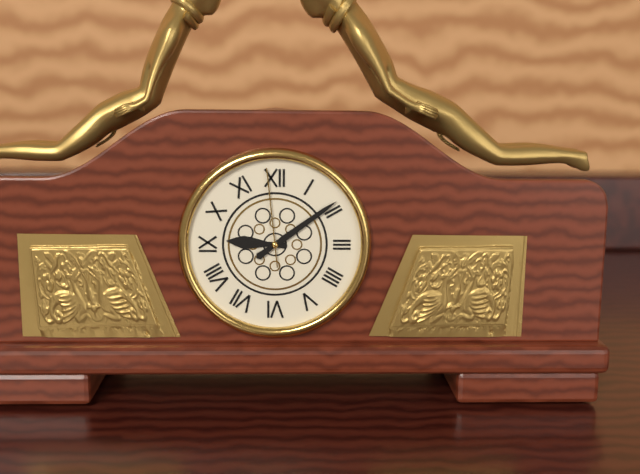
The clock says {"hour": 9, "minute": 9, "second": 59}
